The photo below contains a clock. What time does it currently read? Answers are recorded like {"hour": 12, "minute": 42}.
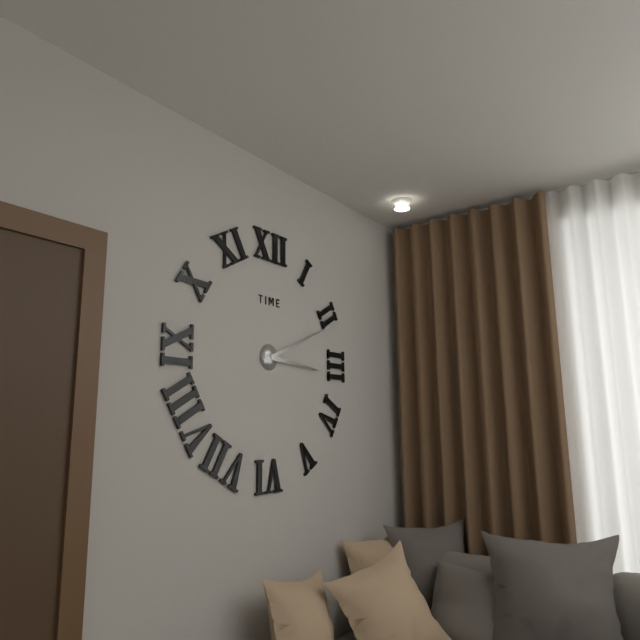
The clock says {"hour": 3, "minute": 11}
